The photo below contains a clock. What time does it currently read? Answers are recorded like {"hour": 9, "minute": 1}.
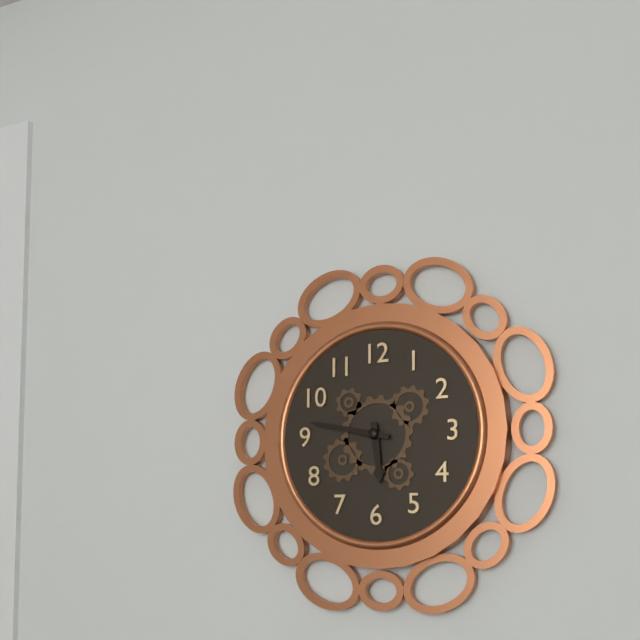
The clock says {"hour": 5, "minute": 47}
